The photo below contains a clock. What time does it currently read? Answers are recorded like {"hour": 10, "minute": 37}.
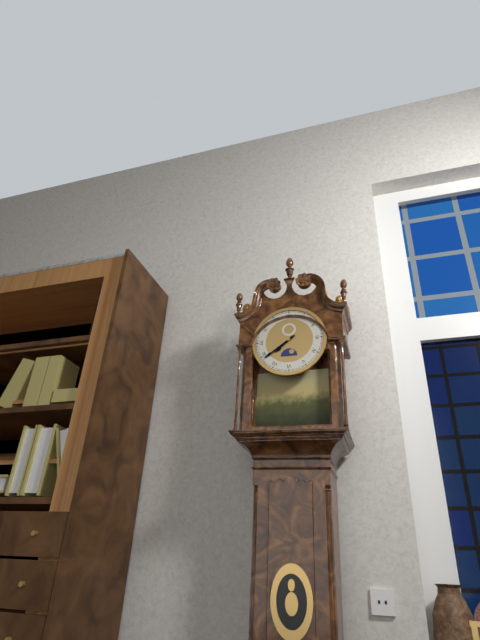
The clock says {"hour": 7, "minute": 39}
